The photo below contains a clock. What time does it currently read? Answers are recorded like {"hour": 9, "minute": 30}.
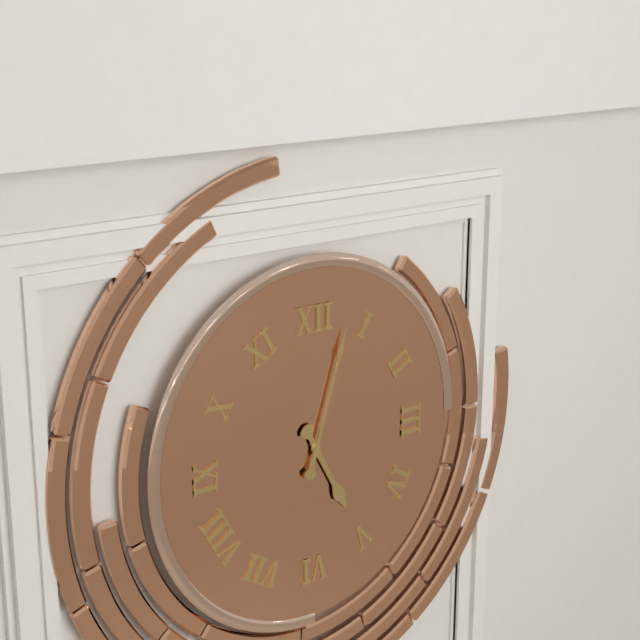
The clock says {"hour": 5, "minute": 3}
